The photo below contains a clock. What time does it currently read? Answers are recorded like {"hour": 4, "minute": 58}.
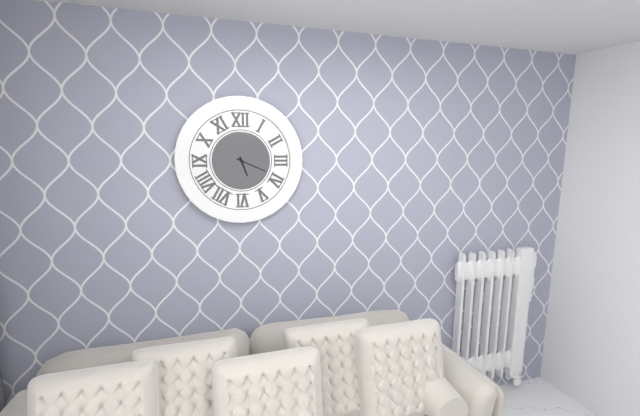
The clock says {"hour": 5, "minute": 19}
